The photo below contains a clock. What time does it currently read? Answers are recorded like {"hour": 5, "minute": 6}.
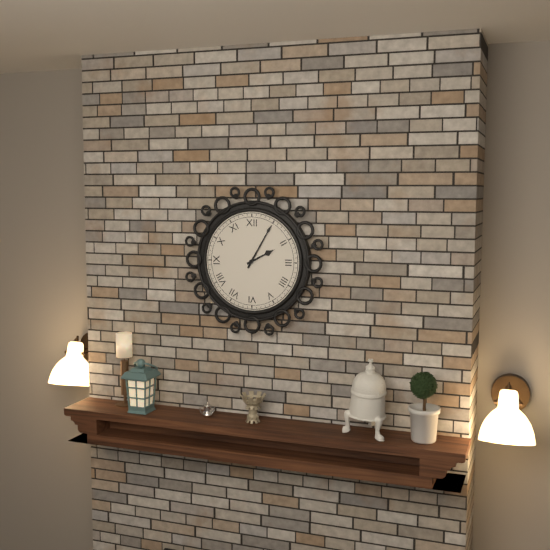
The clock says {"hour": 2, "minute": 5}
